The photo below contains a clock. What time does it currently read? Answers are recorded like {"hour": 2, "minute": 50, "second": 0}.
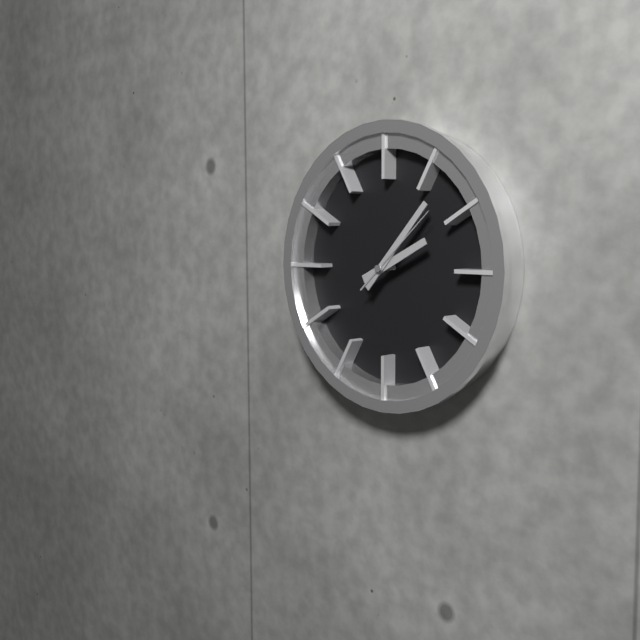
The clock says {"hour": 2, "minute": 7, "second": 8}
